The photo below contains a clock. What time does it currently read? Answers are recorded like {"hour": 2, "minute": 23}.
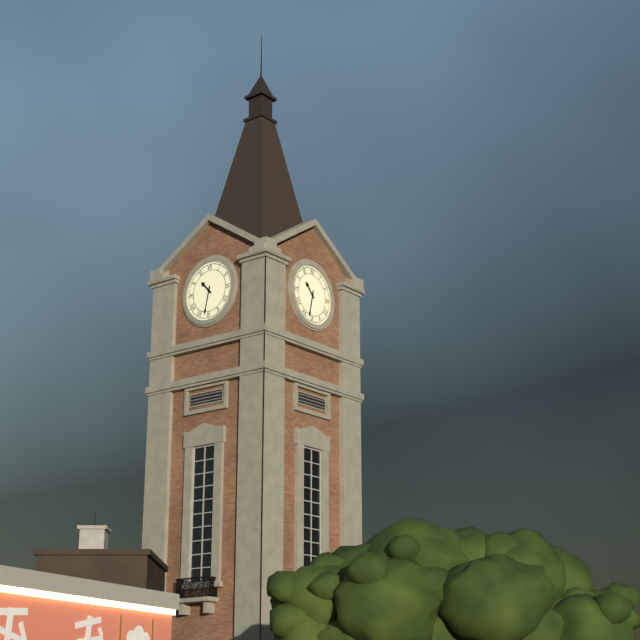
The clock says {"hour": 10, "minute": 32}
